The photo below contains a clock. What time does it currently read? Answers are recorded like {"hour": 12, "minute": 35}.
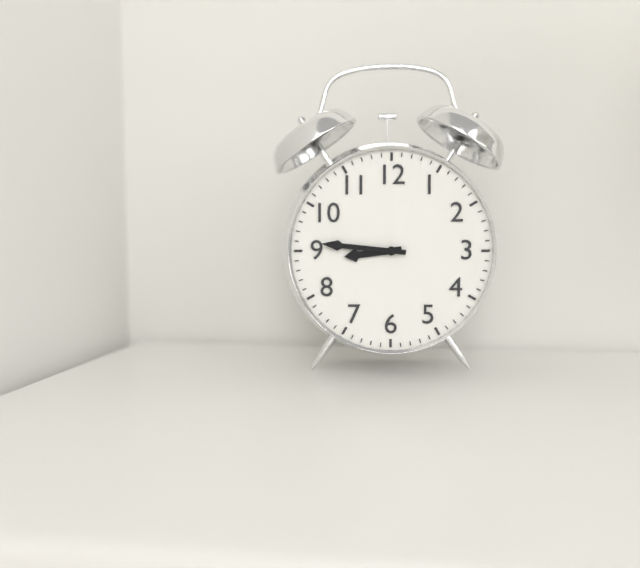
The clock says {"hour": 8, "minute": 46}
